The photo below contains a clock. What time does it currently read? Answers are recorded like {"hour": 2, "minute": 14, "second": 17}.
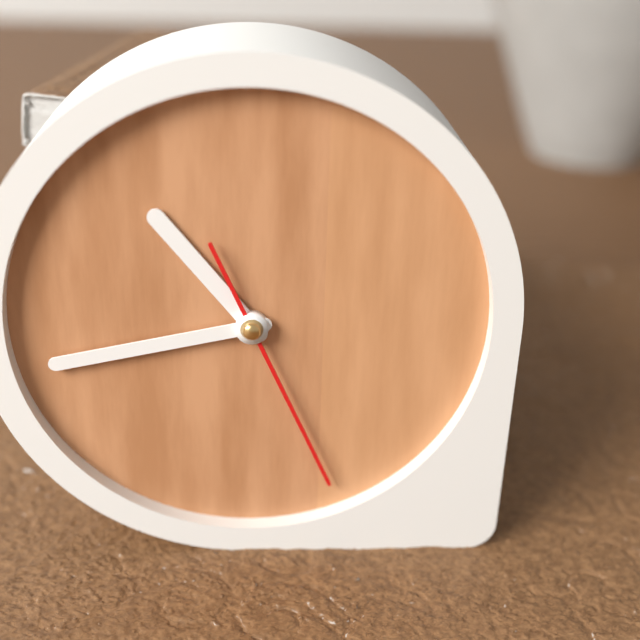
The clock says {"hour": 10, "minute": 43, "second": 26}
